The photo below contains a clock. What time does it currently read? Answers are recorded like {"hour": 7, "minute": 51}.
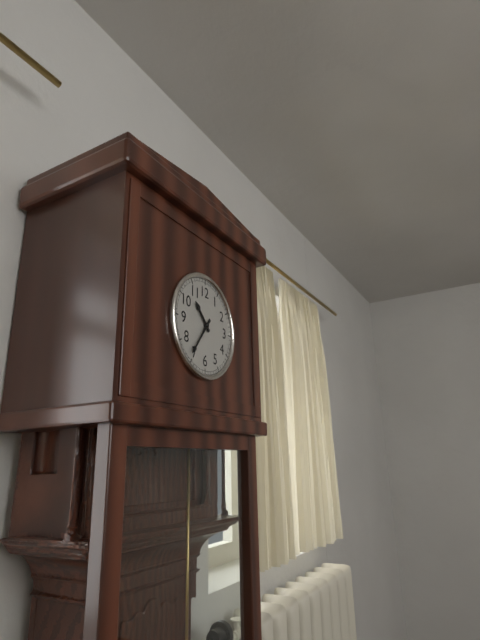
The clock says {"hour": 10, "minute": 36}
